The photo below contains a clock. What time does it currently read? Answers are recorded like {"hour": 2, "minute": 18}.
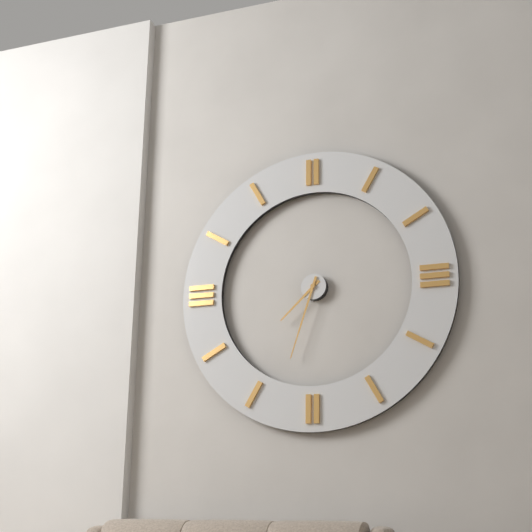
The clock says {"hour": 7, "minute": 33}
